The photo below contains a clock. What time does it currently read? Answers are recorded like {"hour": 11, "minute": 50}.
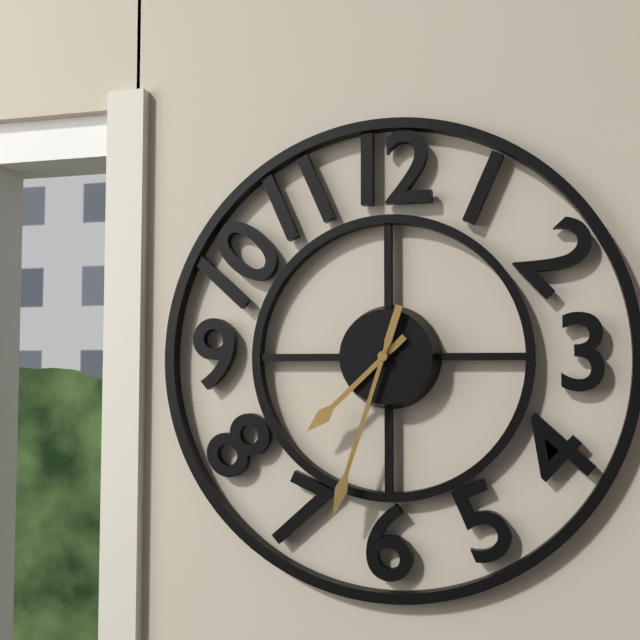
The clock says {"hour": 7, "minute": 33}
